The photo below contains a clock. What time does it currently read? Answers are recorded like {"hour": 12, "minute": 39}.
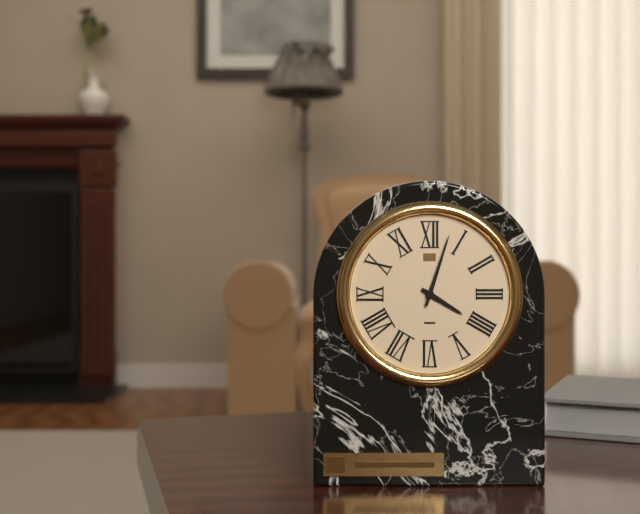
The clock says {"hour": 4, "minute": 3}
